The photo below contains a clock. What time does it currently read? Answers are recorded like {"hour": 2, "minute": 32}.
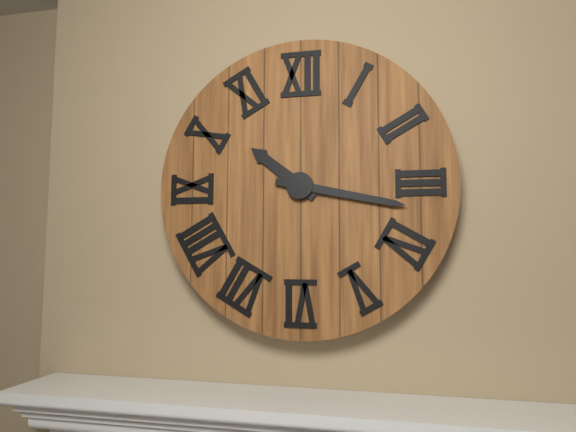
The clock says {"hour": 10, "minute": 17}
